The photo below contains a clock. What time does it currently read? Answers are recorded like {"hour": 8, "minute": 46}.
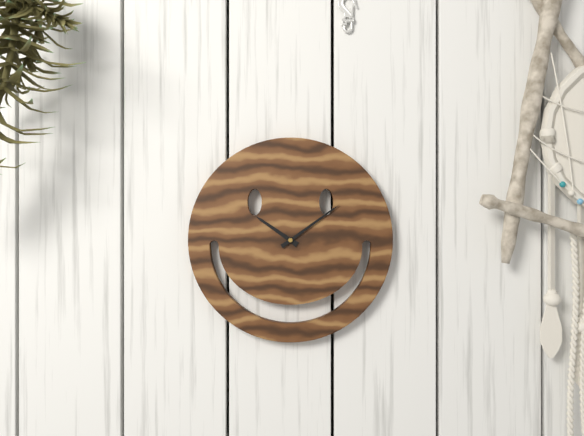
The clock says {"hour": 10, "minute": 9}
